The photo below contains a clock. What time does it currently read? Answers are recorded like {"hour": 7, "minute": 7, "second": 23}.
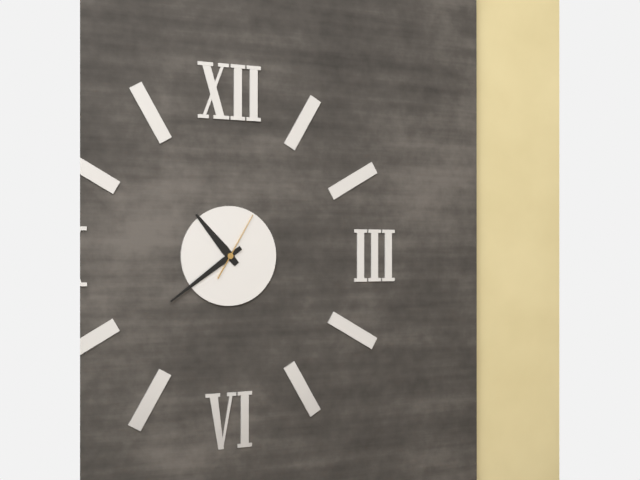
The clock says {"hour": 10, "minute": 39, "second": 5}
